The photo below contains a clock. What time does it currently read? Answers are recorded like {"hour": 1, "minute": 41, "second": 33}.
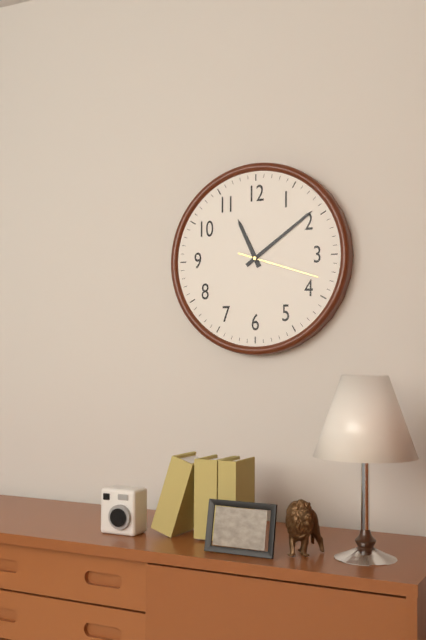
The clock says {"hour": 11, "minute": 9, "second": 18}
